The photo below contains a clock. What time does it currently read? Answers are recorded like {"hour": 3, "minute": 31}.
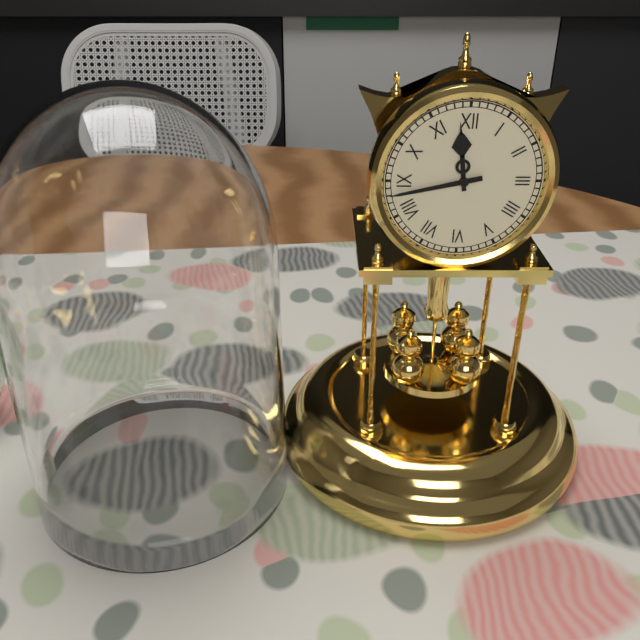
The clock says {"hour": 11, "minute": 43}
